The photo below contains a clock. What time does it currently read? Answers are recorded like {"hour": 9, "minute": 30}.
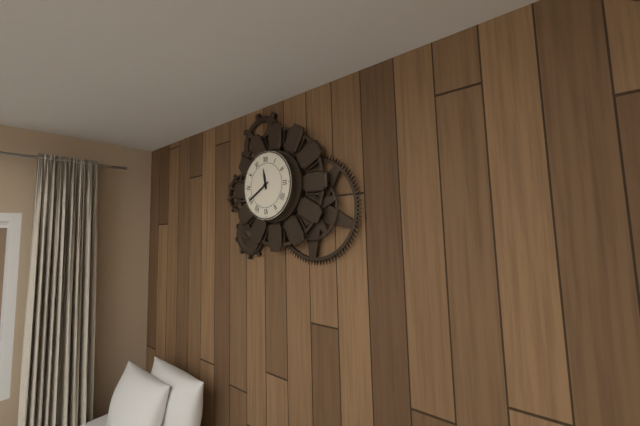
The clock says {"hour": 11, "minute": 40}
